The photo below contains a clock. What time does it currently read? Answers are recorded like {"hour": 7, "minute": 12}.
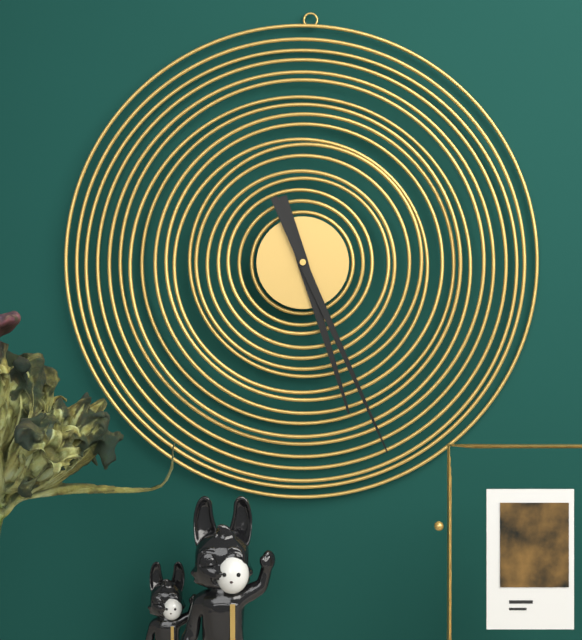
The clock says {"hour": 5, "minute": 26}
